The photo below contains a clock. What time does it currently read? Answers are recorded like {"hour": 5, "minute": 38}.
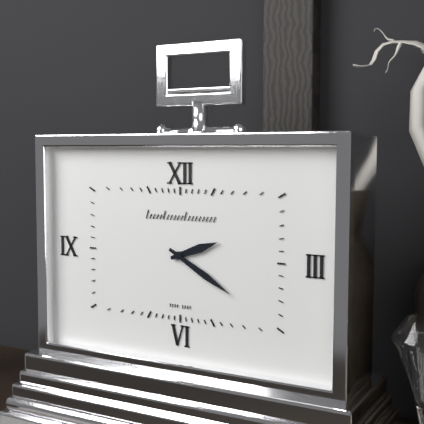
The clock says {"hour": 2, "minute": 20}
